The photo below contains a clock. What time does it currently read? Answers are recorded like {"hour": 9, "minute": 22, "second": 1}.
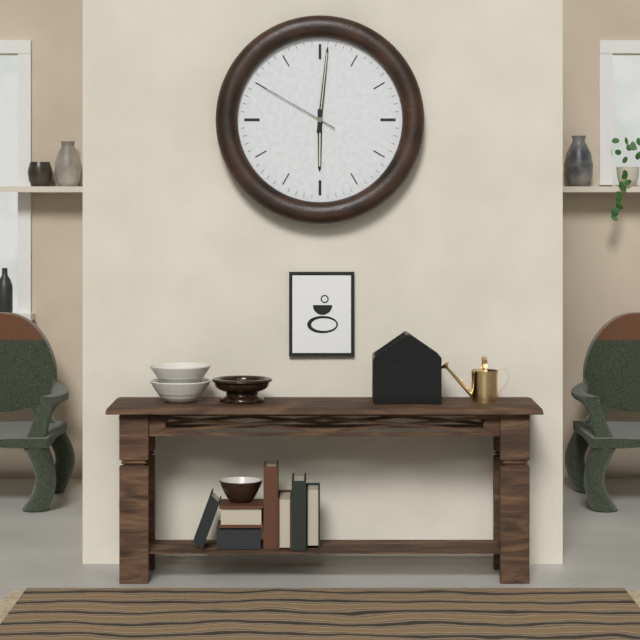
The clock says {"hour": 6, "minute": 1, "second": 50}
